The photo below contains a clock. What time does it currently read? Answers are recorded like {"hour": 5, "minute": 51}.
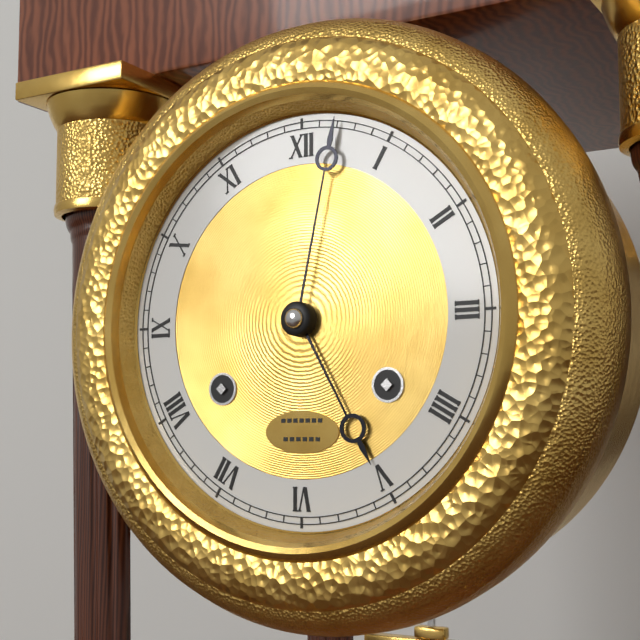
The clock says {"hour": 5, "minute": 2}
